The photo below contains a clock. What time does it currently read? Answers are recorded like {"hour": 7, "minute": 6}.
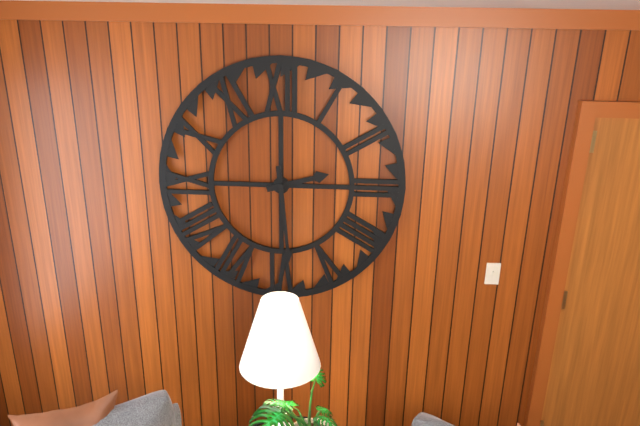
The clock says {"hour": 2, "minute": 29}
